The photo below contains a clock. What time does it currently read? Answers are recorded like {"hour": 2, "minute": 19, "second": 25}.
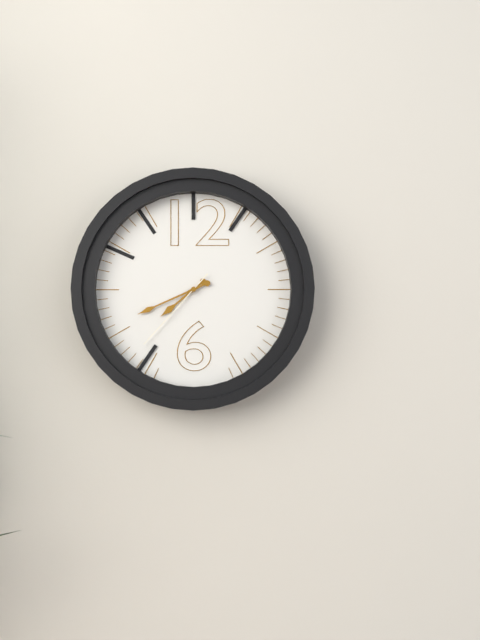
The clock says {"hour": 7, "minute": 41, "second": 37}
